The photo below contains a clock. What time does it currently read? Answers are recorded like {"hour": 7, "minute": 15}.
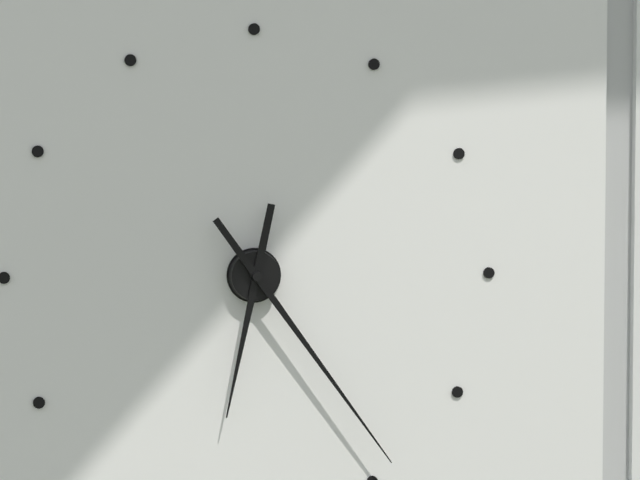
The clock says {"hour": 6, "minute": 24}
